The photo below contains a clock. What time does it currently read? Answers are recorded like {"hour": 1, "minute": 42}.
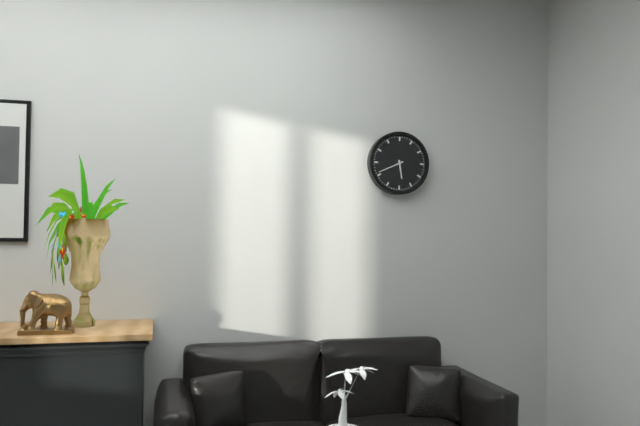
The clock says {"hour": 5, "minute": 41}
